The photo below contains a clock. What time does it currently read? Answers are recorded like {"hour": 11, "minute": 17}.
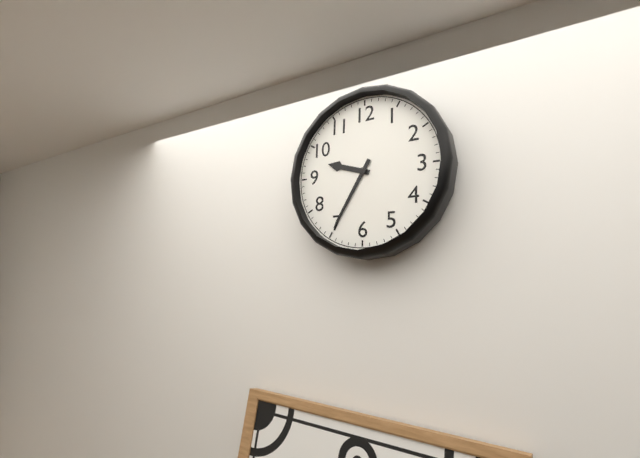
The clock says {"hour": 9, "minute": 35}
